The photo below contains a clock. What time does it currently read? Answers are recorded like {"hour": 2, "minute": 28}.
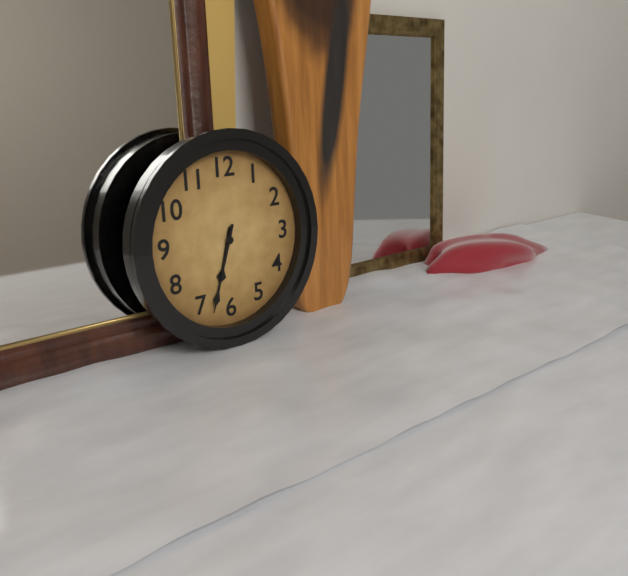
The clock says {"hour": 6, "minute": 33}
